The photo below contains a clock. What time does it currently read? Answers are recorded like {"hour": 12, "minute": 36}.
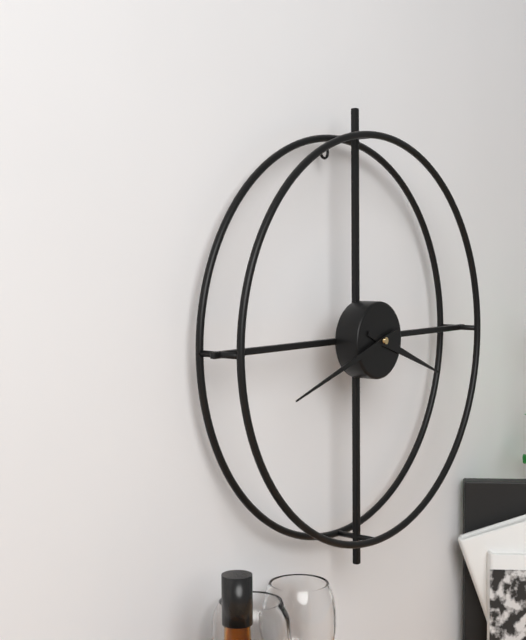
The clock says {"hour": 3, "minute": 42}
